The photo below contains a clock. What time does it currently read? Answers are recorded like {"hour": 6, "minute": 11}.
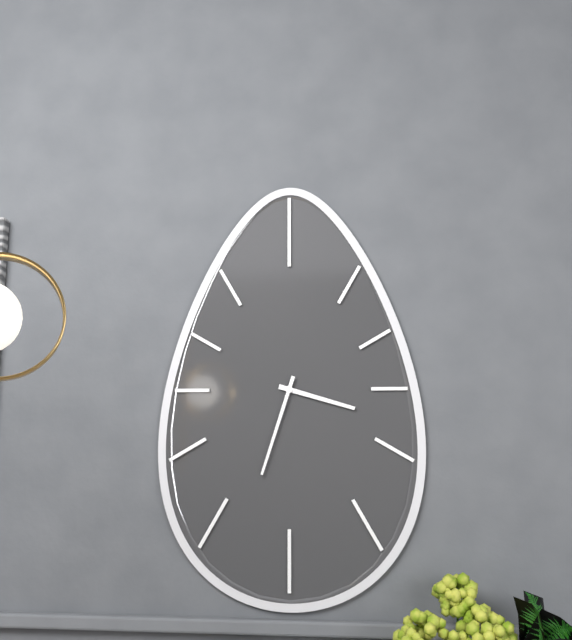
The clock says {"hour": 3, "minute": 33}
